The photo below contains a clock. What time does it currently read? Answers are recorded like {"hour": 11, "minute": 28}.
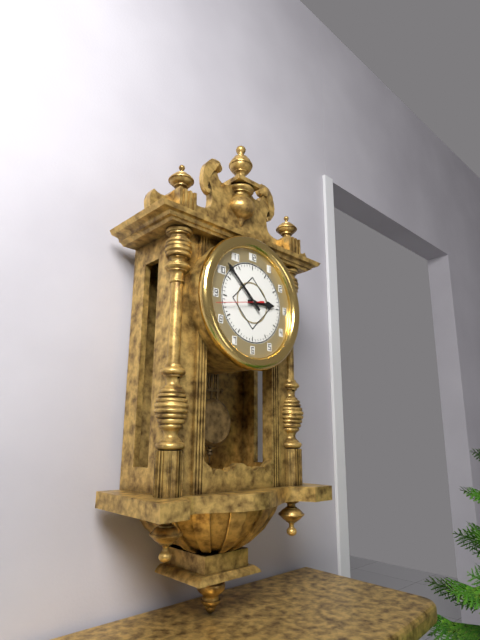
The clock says {"hour": 2, "minute": 52}
